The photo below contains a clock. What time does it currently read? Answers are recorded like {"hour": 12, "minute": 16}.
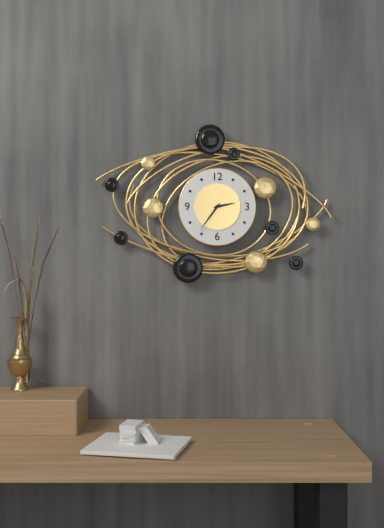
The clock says {"hour": 2, "minute": 36}
